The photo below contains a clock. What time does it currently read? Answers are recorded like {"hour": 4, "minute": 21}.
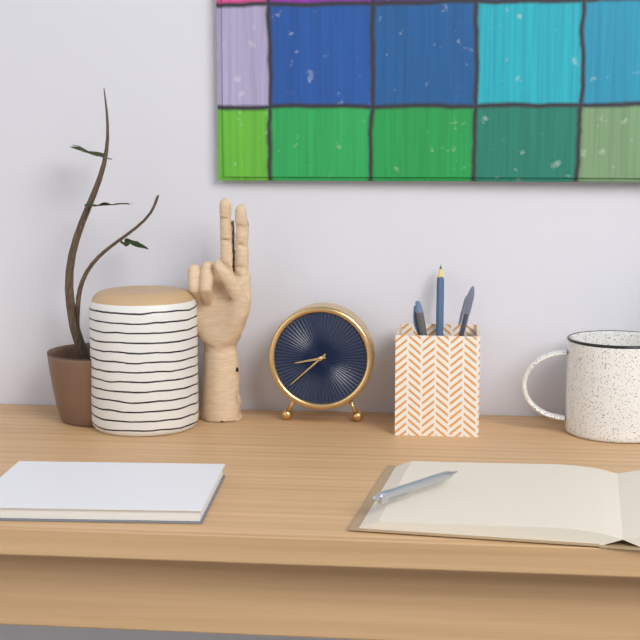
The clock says {"hour": 8, "minute": 38}
